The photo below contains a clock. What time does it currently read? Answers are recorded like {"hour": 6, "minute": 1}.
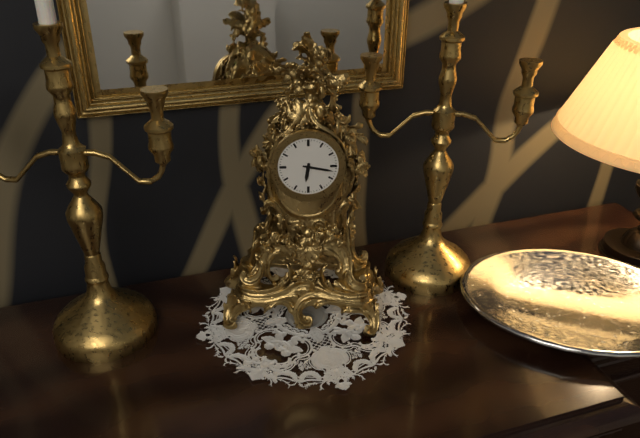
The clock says {"hour": 6, "minute": 17}
